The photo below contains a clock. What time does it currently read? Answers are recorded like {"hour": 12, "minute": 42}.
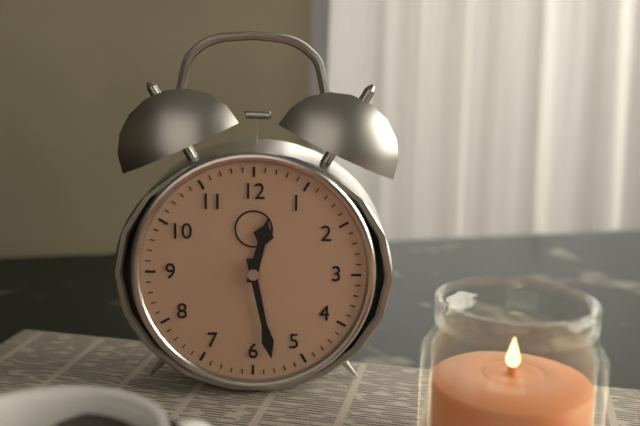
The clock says {"hour": 12, "minute": 28}
